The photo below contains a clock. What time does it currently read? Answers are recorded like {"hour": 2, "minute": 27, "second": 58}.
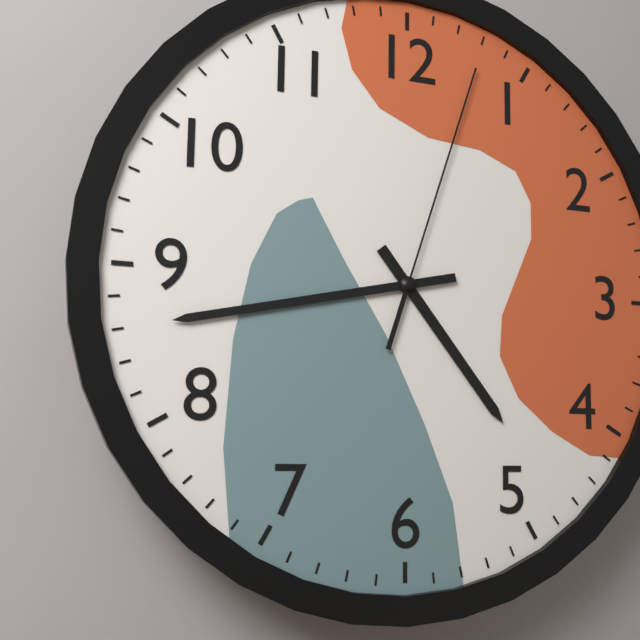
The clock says {"hour": 4, "minute": 43, "second": 3}
